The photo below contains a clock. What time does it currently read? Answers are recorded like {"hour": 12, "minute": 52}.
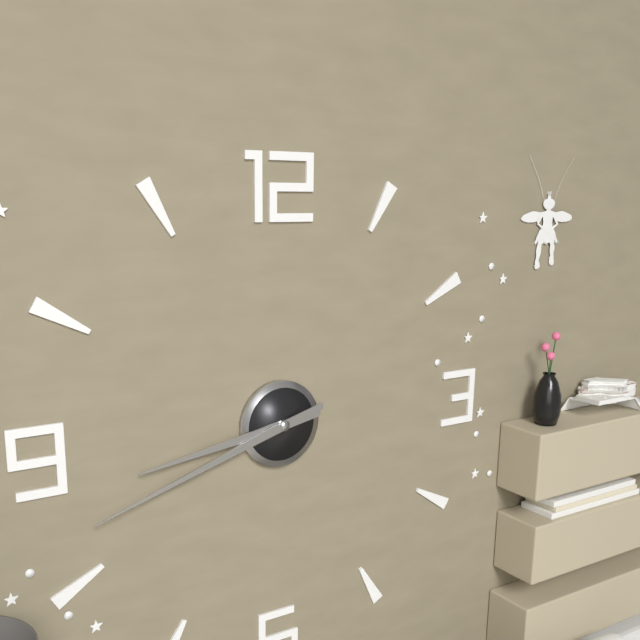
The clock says {"hour": 8, "minute": 42}
